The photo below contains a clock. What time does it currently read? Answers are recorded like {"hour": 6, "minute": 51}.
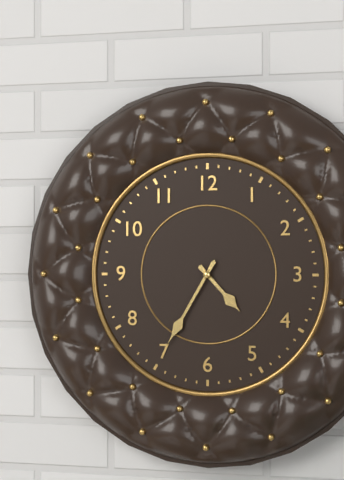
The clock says {"hour": 4, "minute": 35}
